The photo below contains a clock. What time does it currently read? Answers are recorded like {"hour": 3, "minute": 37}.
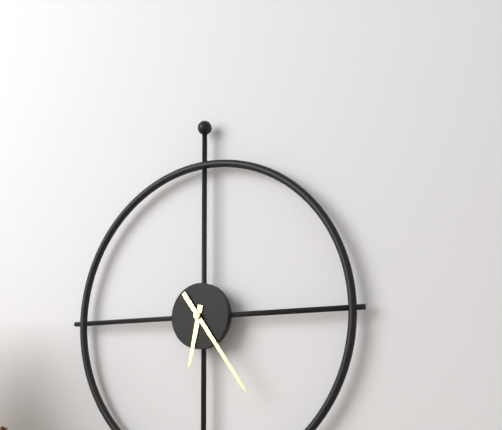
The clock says {"hour": 6, "minute": 24}
